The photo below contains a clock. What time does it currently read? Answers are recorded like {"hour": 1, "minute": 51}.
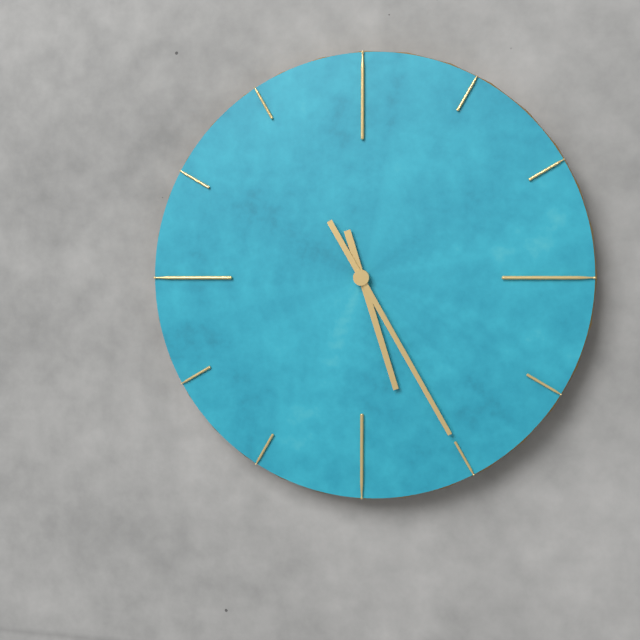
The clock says {"hour": 5, "minute": 25}
